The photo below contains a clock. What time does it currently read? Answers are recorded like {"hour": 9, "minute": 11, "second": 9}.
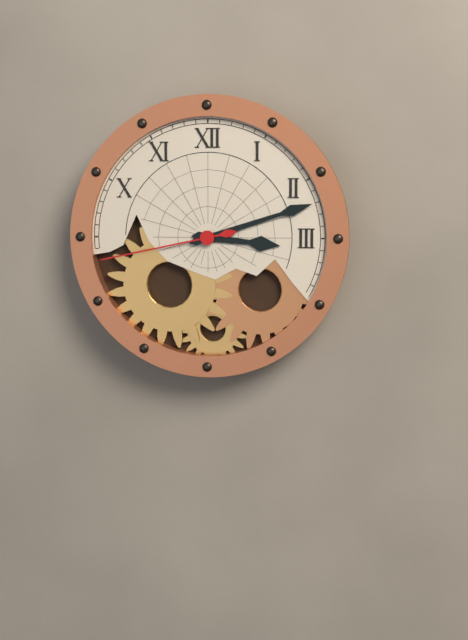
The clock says {"hour": 3, "minute": 12, "second": 43}
